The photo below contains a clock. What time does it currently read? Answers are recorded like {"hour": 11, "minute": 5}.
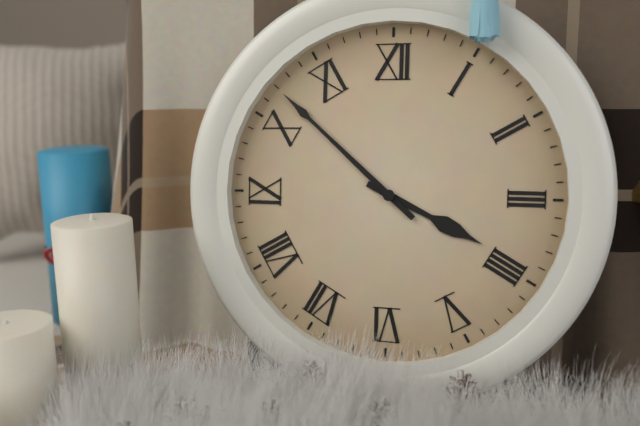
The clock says {"hour": 3, "minute": 52}
